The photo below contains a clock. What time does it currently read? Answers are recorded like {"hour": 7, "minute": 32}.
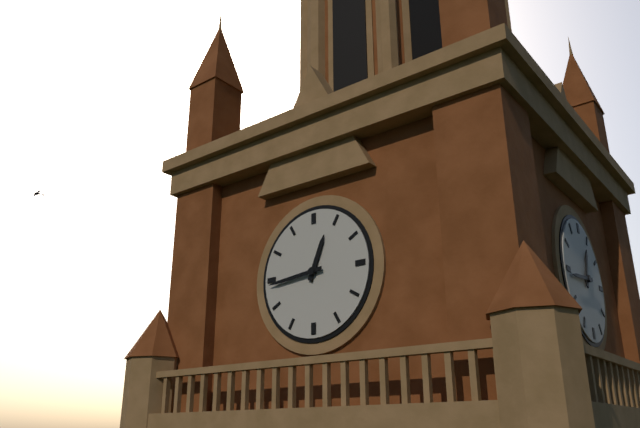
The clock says {"hour": 12, "minute": 44}
